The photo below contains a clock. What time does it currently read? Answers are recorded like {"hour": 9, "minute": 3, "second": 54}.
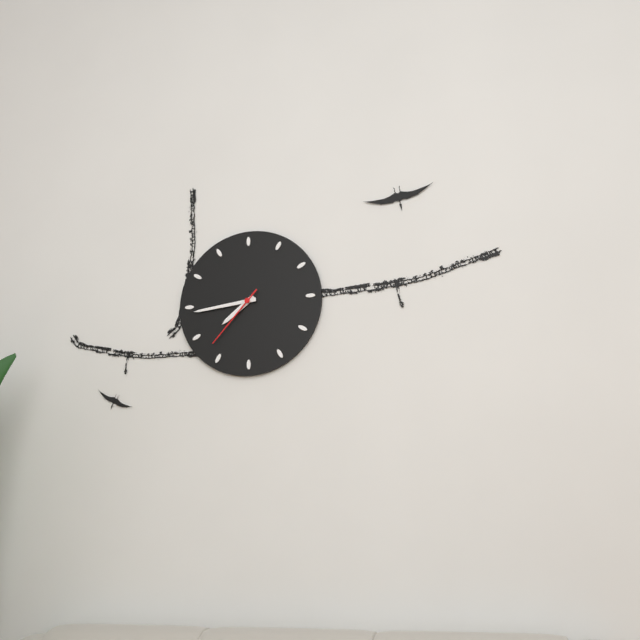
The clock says {"hour": 7, "minute": 44, "second": 37}
